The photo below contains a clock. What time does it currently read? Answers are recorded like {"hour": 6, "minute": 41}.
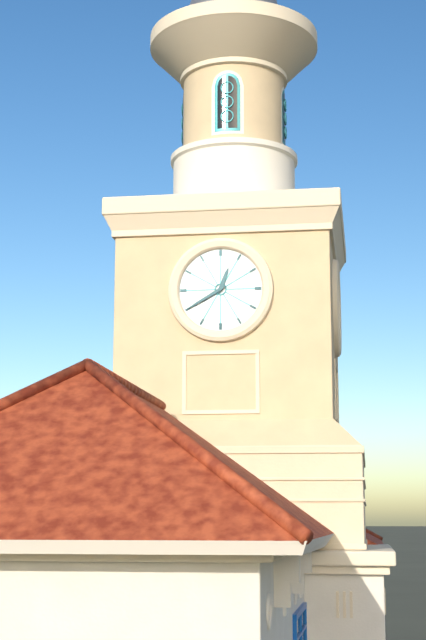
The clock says {"hour": 12, "minute": 40}
